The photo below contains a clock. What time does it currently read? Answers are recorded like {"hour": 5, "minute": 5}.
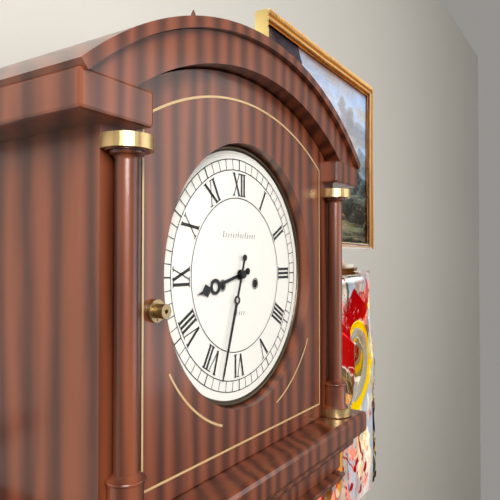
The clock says {"hour": 8, "minute": 33}
